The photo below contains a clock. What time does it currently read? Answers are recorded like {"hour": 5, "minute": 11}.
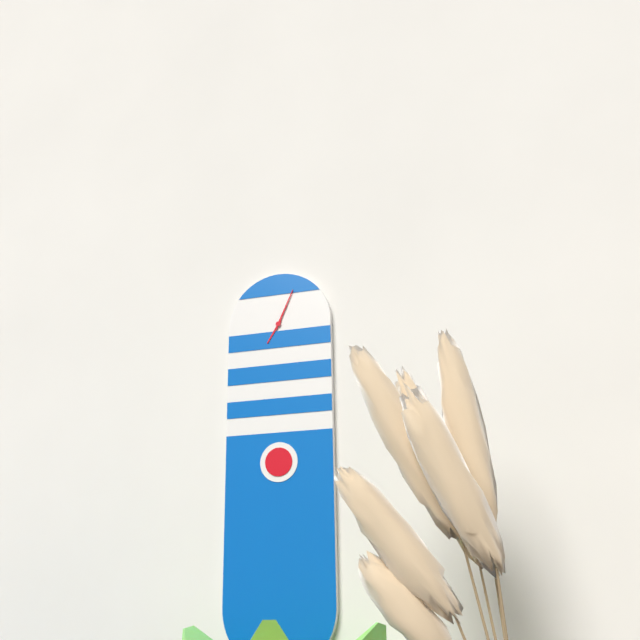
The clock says {"hour": 7, "minute": 4}
